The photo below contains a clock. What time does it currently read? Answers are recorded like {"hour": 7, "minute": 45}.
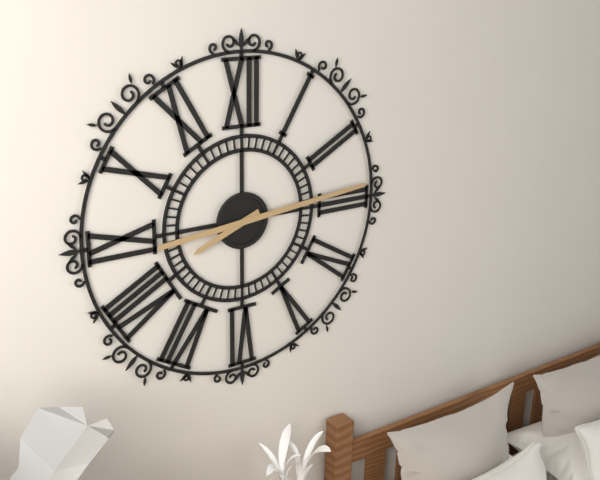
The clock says {"hour": 8, "minute": 14}
